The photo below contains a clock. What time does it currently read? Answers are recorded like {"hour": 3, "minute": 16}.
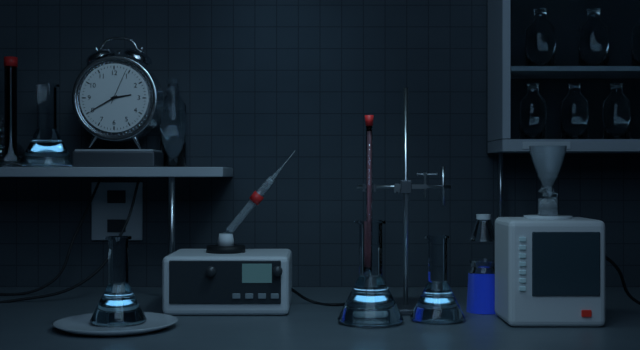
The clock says {"hour": 2, "minute": 40}
